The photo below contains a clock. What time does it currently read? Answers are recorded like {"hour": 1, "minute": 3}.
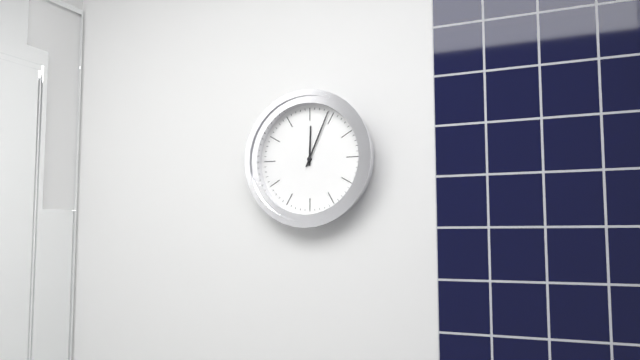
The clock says {"hour": 12, "minute": 4}
